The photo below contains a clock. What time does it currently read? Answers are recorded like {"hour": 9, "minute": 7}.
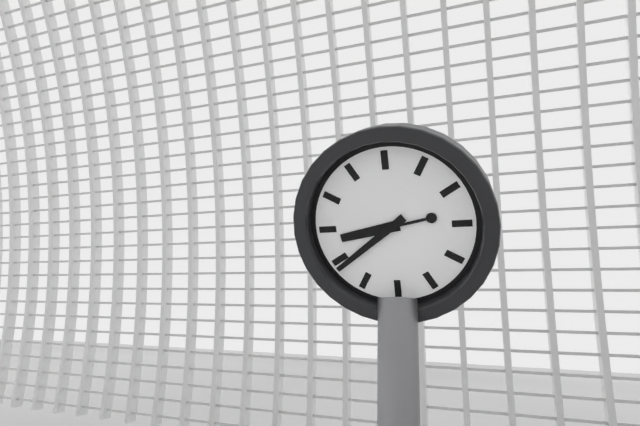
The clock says {"hour": 8, "minute": 39}
